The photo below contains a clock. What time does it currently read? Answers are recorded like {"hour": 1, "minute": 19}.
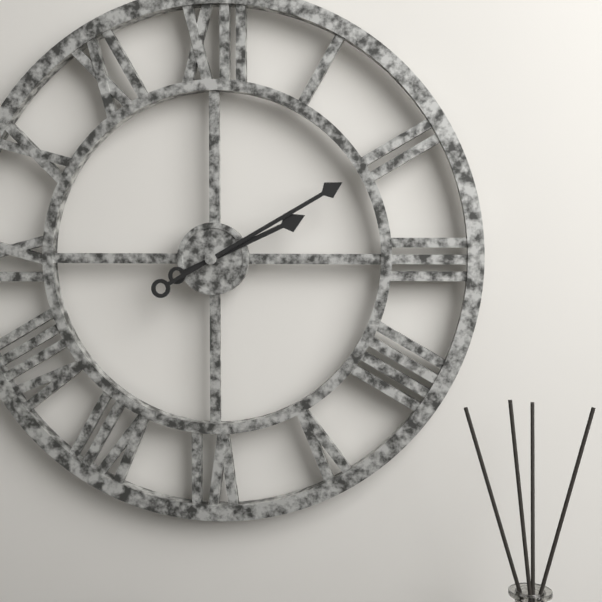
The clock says {"hour": 2, "minute": 10}
